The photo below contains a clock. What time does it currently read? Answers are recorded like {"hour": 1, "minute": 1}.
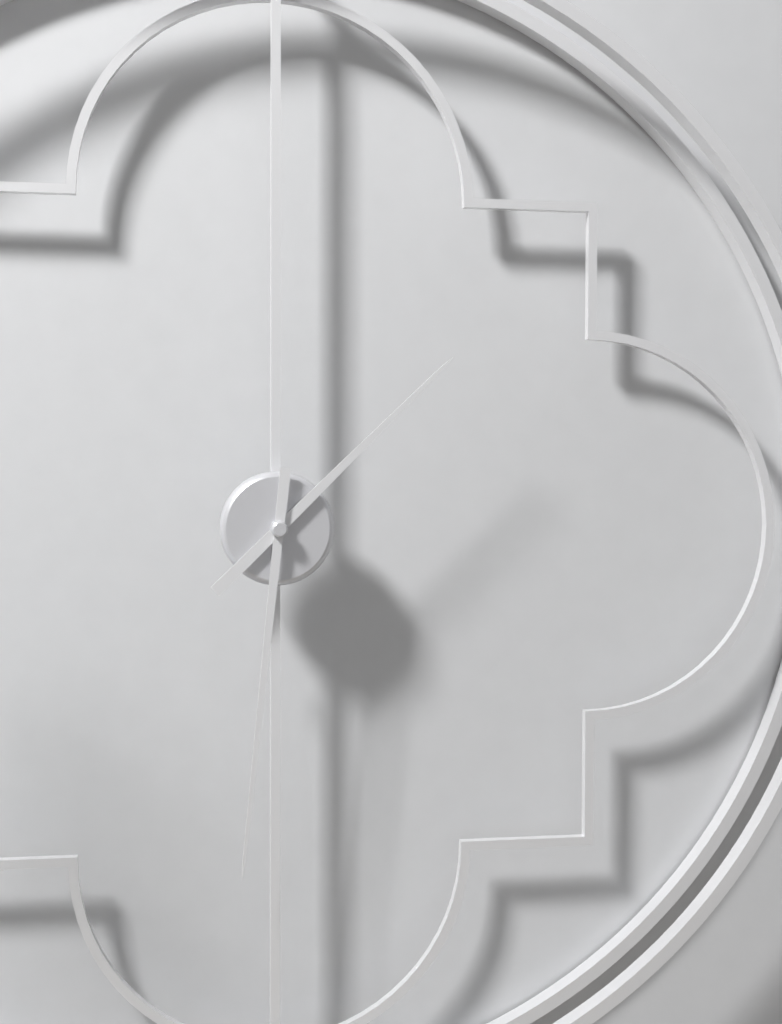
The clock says {"hour": 1, "minute": 31}
